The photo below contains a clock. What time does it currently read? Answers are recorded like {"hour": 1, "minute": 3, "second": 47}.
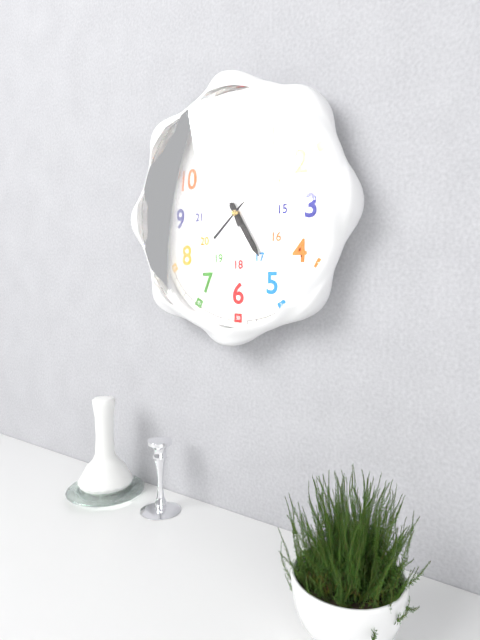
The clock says {"hour": 4, "minute": 56, "second": 8}
